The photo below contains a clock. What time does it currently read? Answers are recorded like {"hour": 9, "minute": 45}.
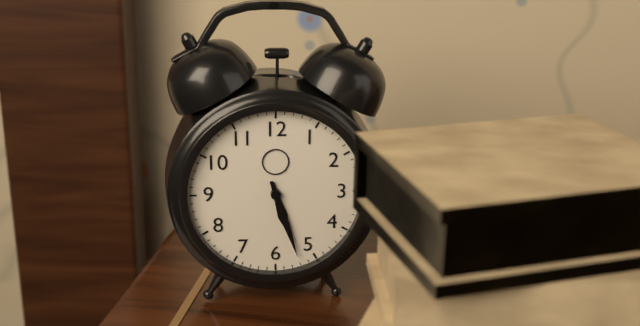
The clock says {"hour": 5, "minute": 27}
